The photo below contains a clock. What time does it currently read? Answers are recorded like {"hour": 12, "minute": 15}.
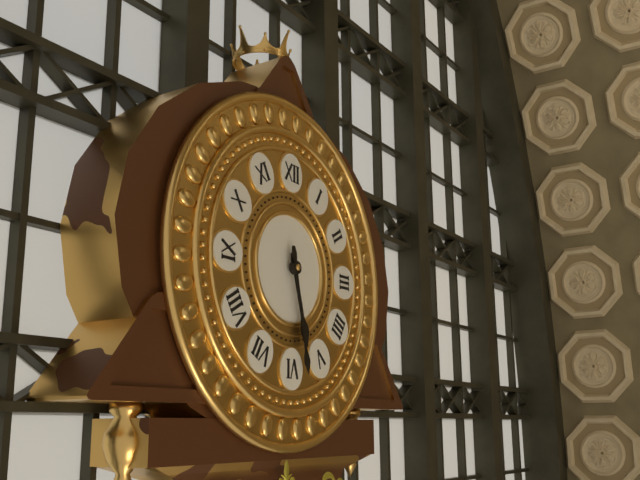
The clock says {"hour": 5, "minute": 28}
